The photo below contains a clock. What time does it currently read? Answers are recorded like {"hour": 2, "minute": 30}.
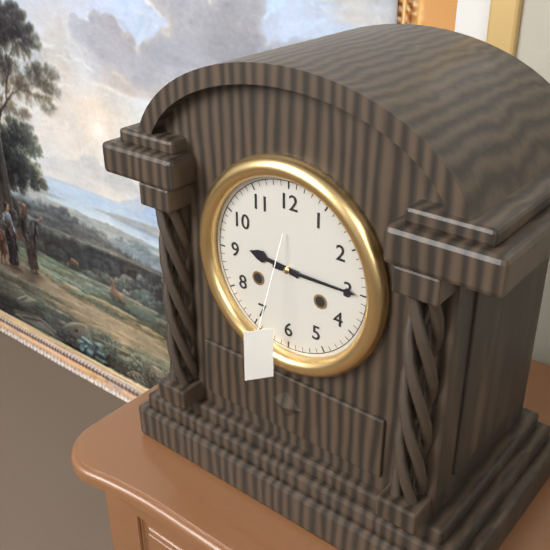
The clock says {"hour": 9, "minute": 15}
